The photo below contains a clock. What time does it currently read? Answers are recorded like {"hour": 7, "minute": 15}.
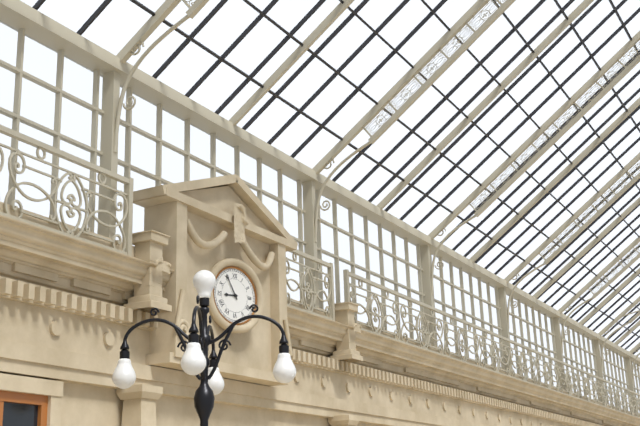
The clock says {"hour": 8, "minute": 55}
